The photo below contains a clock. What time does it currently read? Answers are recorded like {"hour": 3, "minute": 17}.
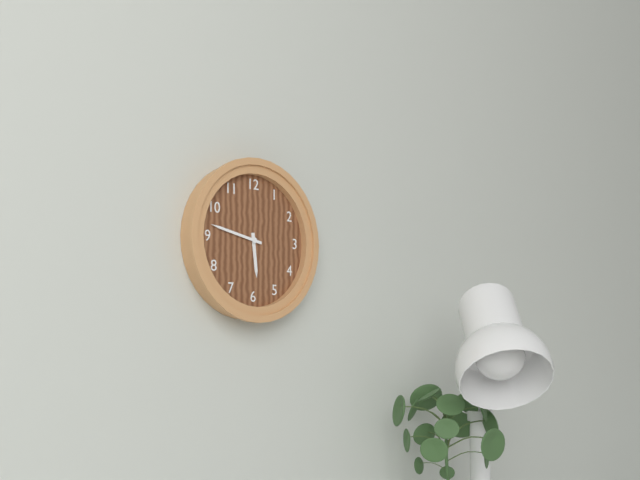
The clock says {"hour": 5, "minute": 47}
